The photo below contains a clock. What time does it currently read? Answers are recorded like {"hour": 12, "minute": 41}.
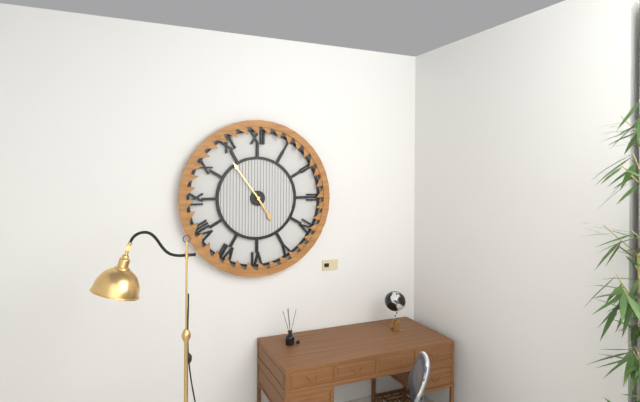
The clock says {"hour": 4, "minute": 54}
